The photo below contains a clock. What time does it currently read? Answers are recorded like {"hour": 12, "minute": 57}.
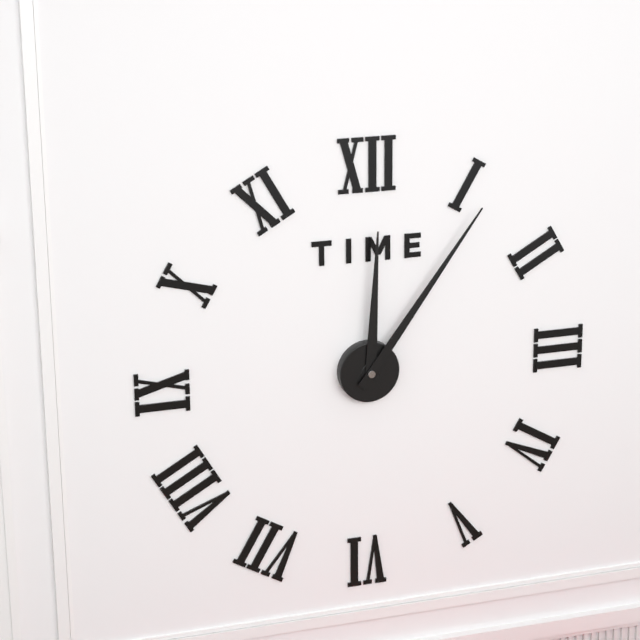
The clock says {"hour": 12, "minute": 6}
